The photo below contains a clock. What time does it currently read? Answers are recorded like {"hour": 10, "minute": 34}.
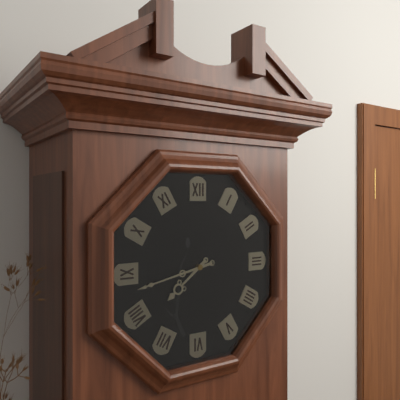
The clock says {"hour": 7, "minute": 43}
